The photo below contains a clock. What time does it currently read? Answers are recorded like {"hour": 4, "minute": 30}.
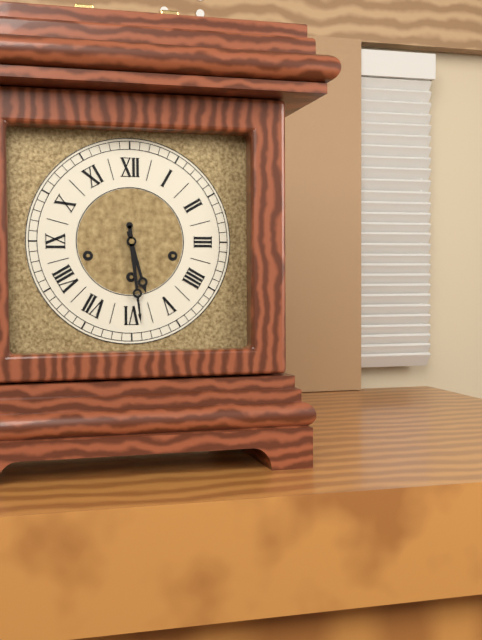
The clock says {"hour": 5, "minute": 29}
